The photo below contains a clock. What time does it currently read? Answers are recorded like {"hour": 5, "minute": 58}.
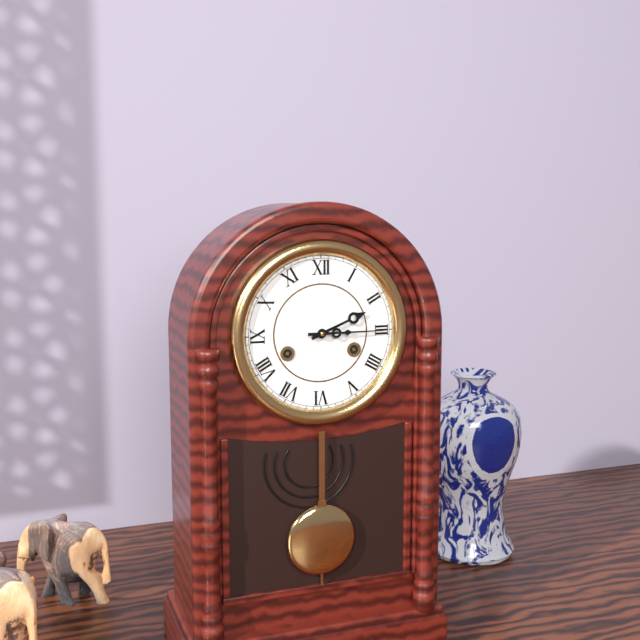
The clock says {"hour": 2, "minute": 15}
